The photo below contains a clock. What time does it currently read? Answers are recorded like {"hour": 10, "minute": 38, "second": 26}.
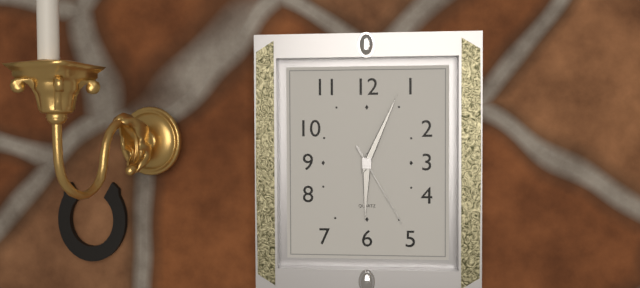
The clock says {"hour": 6, "minute": 4, "second": 25}
